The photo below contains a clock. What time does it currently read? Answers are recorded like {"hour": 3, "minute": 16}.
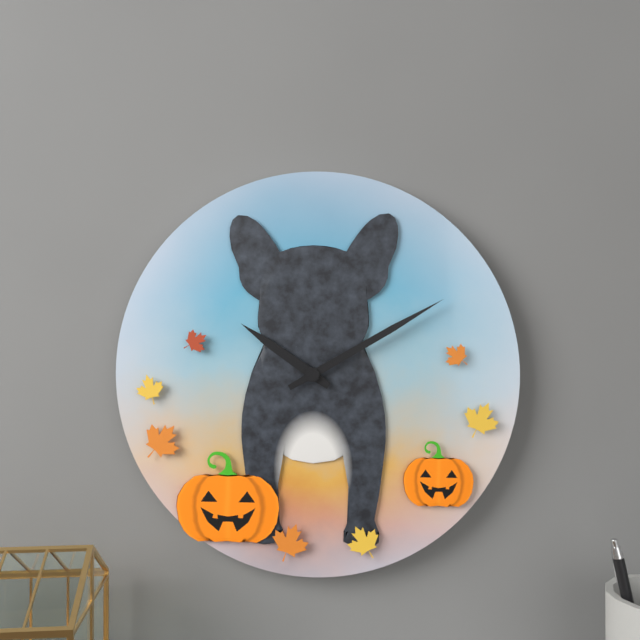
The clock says {"hour": 10, "minute": 10}
